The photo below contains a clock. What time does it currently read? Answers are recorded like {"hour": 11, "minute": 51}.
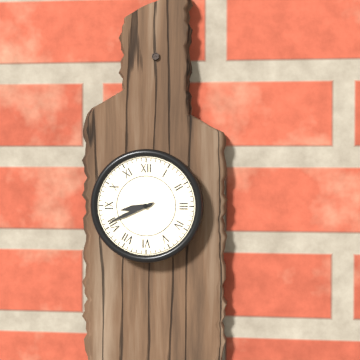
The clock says {"hour": 8, "minute": 41}
